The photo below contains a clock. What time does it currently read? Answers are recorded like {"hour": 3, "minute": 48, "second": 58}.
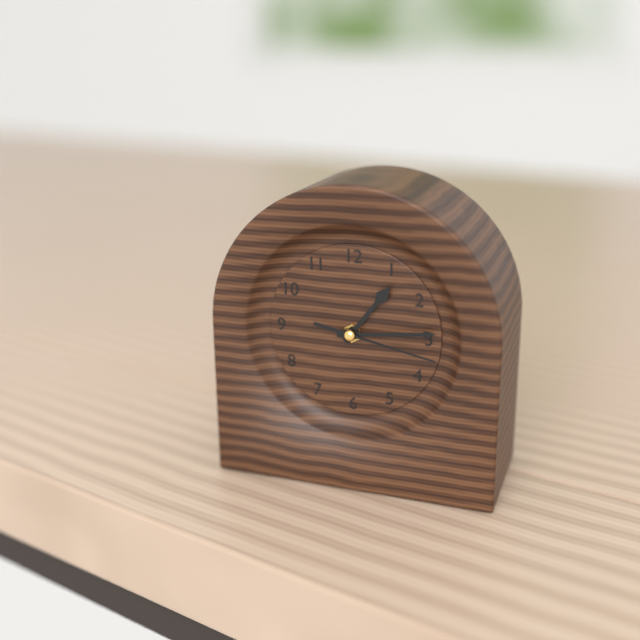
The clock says {"hour": 1, "minute": 14, "second": 17}
